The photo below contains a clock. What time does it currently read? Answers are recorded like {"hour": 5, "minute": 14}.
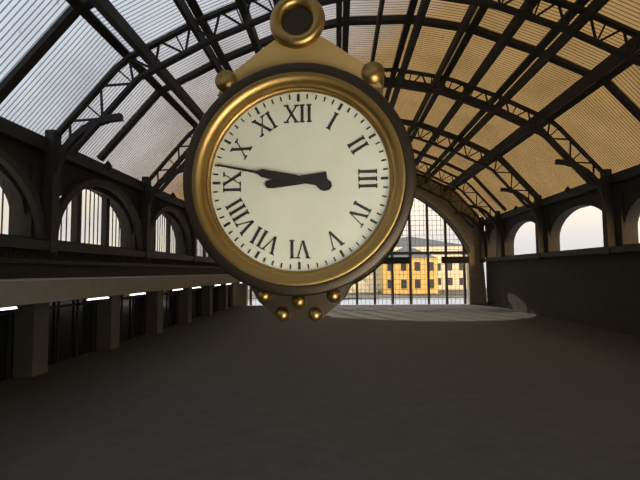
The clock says {"hour": 8, "minute": 47}
